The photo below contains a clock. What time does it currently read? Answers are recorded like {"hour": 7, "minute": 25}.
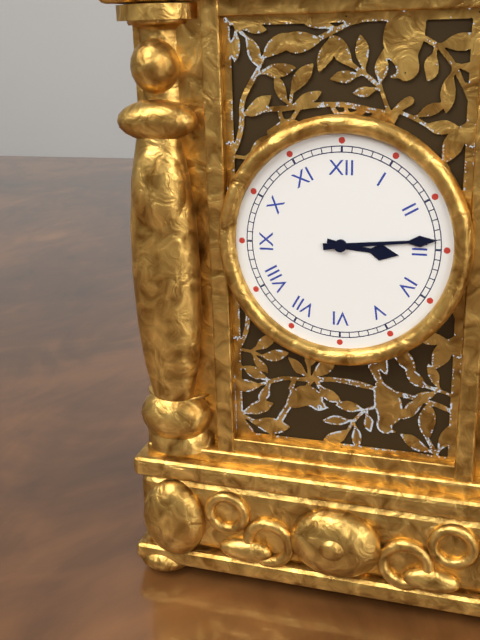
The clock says {"hour": 3, "minute": 14}
